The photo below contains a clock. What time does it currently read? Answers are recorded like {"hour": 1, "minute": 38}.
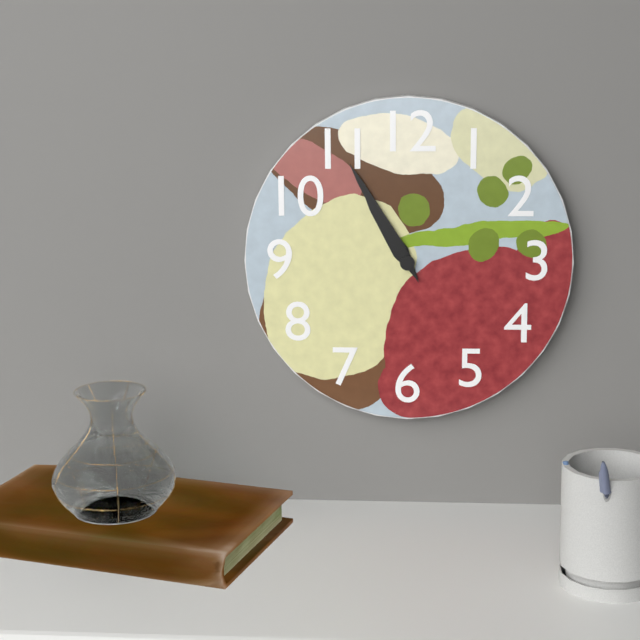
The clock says {"hour": 10, "minute": 55}
